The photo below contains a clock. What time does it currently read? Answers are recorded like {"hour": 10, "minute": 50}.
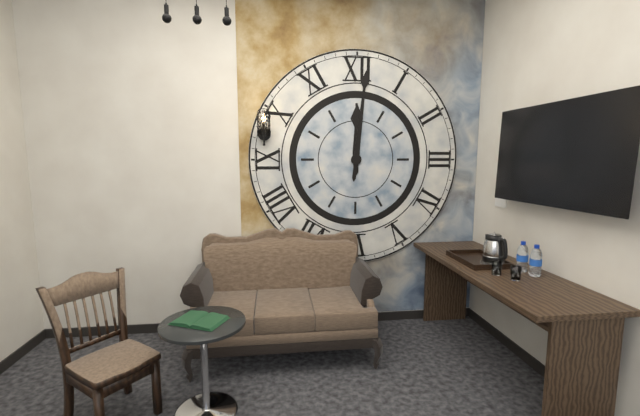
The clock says {"hour": 12, "minute": 1}
